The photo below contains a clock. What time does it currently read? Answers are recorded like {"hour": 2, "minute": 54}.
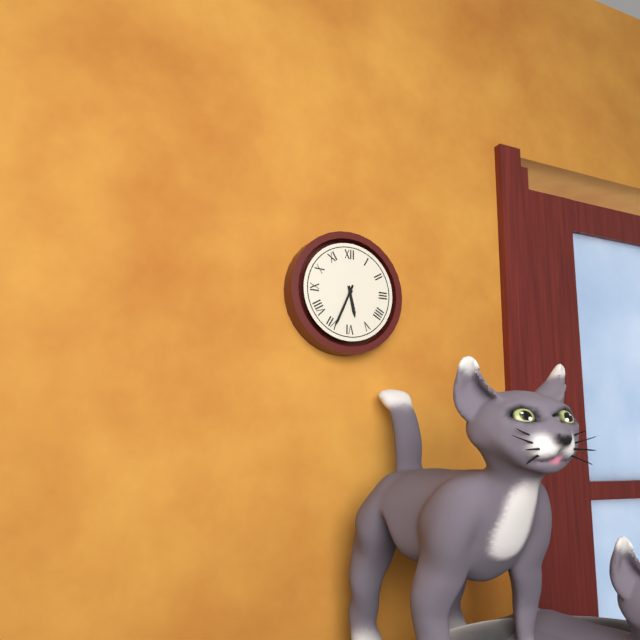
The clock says {"hour": 5, "minute": 34}
